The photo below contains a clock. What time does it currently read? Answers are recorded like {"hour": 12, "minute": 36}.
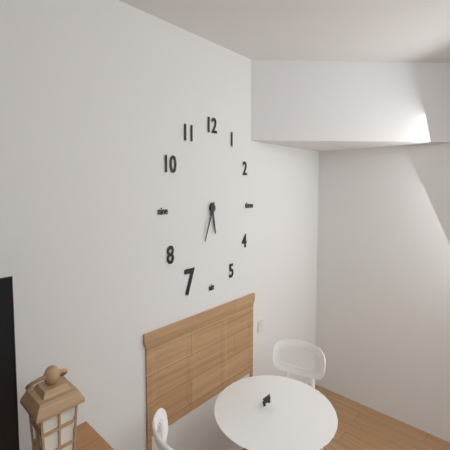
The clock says {"hour": 5, "minute": 34}
